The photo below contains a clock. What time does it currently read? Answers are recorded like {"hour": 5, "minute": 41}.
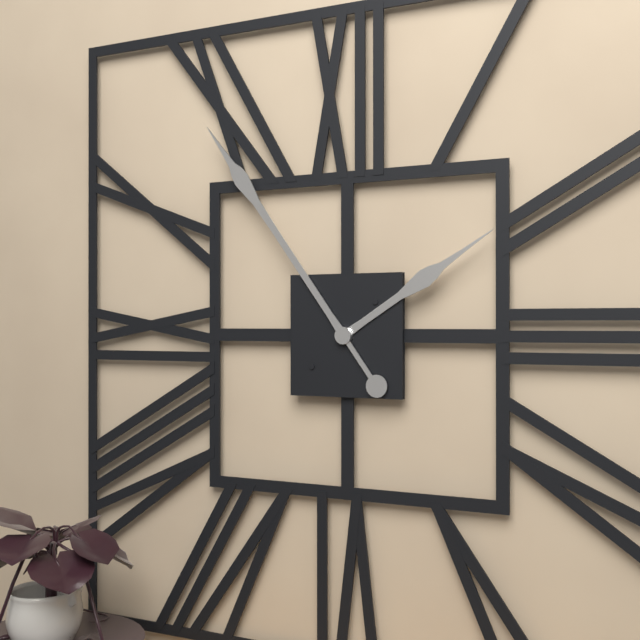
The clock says {"hour": 1, "minute": 54}
